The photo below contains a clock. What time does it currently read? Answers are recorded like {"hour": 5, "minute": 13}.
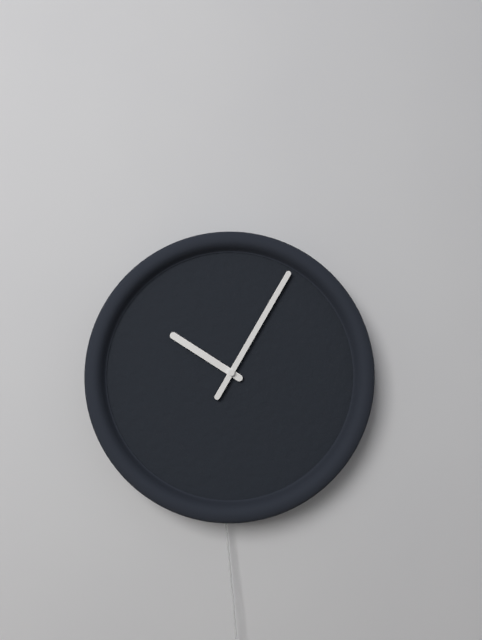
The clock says {"hour": 10, "minute": 5}
